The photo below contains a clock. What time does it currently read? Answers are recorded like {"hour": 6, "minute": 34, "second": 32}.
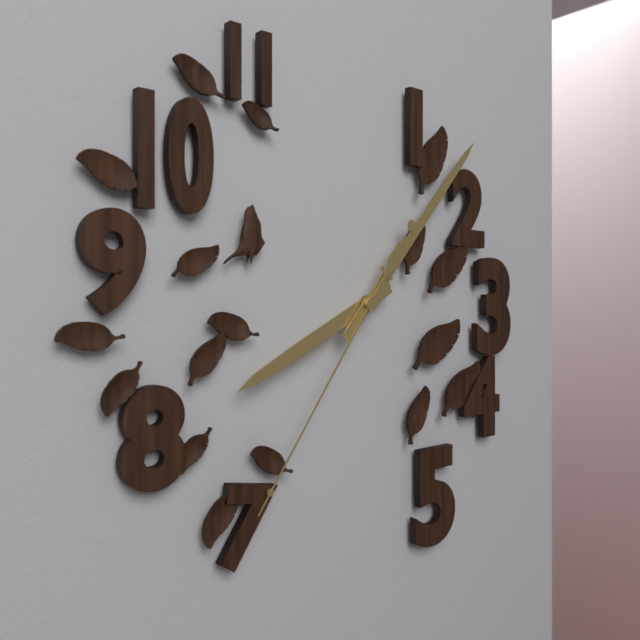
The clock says {"hour": 8, "minute": 7, "second": 36}
